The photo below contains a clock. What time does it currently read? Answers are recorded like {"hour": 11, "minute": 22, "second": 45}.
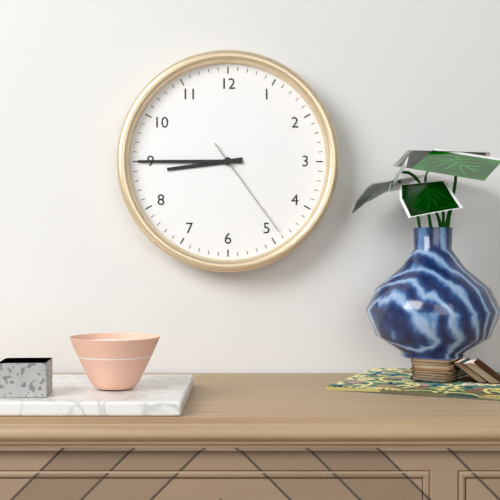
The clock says {"hour": 8, "minute": 45, "second": 24}
